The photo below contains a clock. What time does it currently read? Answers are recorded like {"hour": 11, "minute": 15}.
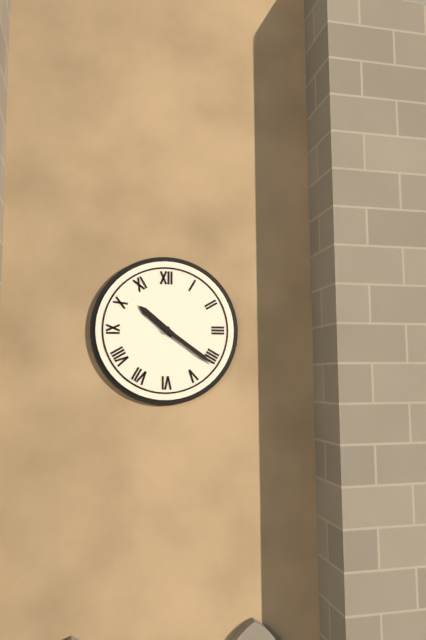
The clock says {"hour": 10, "minute": 21}
